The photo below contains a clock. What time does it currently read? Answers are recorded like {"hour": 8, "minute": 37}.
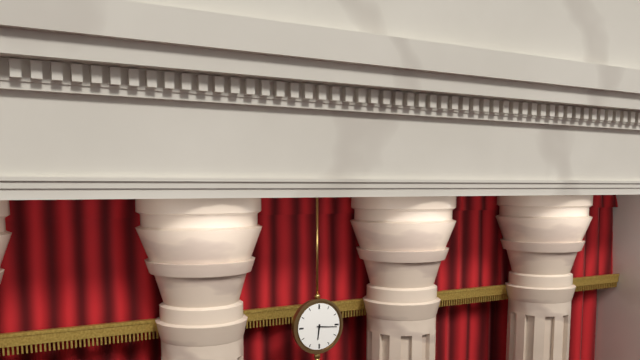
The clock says {"hour": 6, "minute": 16}
